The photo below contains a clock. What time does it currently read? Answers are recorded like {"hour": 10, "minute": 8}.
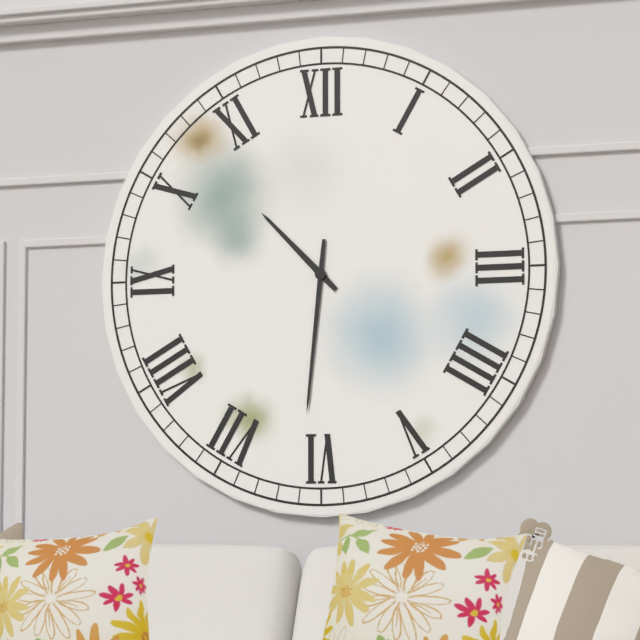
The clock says {"hour": 10, "minute": 31}
